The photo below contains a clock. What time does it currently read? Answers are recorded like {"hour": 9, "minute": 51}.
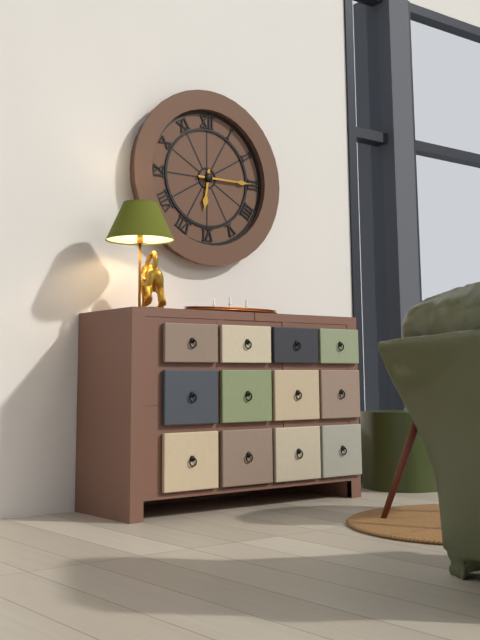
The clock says {"hour": 6, "minute": 15}
